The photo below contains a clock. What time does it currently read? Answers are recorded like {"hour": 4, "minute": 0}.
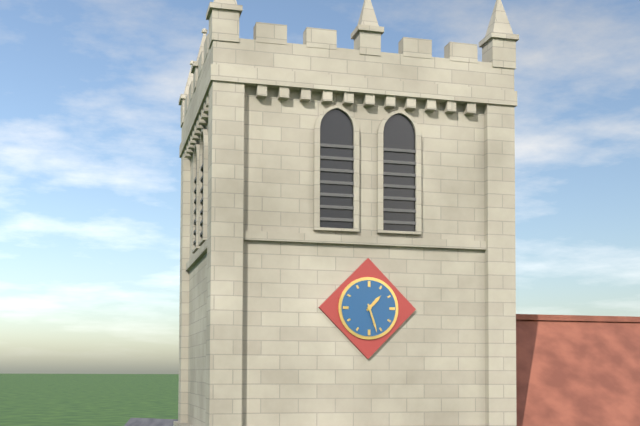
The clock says {"hour": 1, "minute": 27}
